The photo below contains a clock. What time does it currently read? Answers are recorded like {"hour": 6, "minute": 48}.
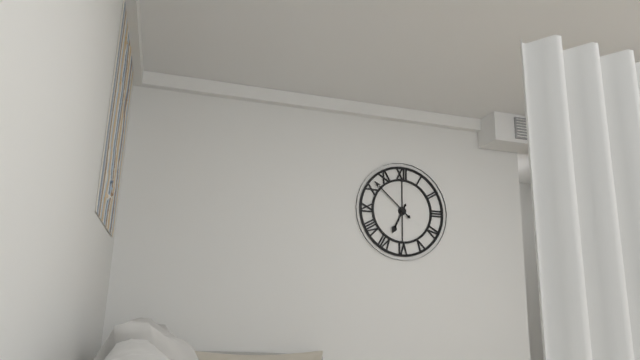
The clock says {"hour": 6, "minute": 52}
